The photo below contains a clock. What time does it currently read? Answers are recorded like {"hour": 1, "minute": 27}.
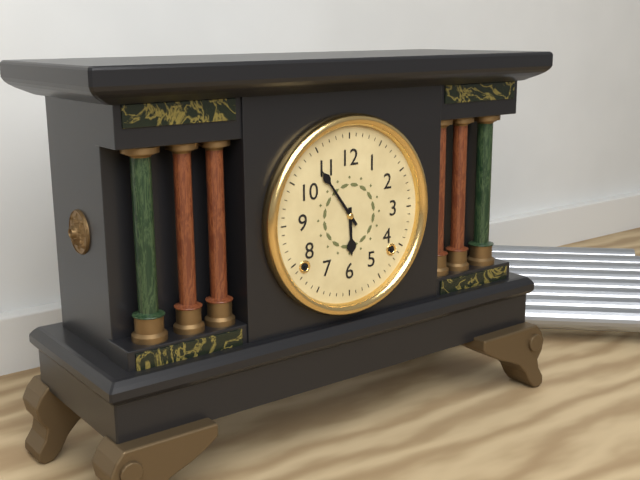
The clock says {"hour": 5, "minute": 54}
